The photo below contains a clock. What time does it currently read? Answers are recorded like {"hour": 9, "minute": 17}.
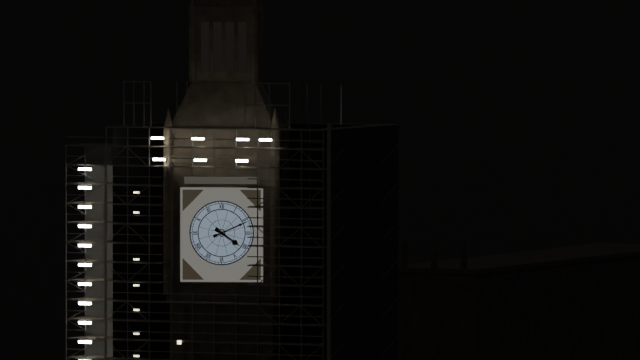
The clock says {"hour": 4, "minute": 11}
